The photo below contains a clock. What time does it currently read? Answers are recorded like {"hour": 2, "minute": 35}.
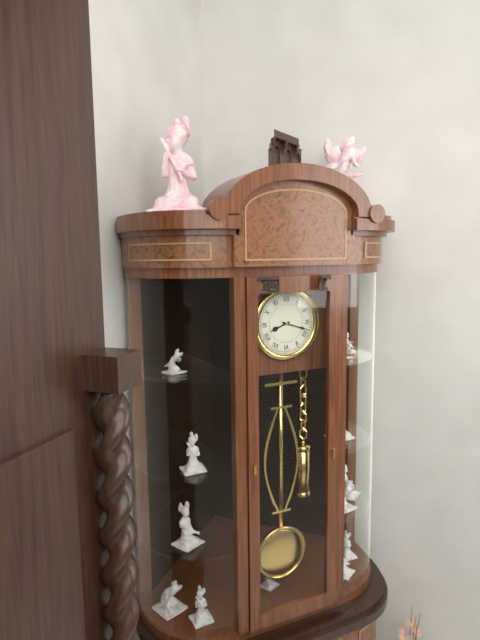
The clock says {"hour": 8, "minute": 18}
